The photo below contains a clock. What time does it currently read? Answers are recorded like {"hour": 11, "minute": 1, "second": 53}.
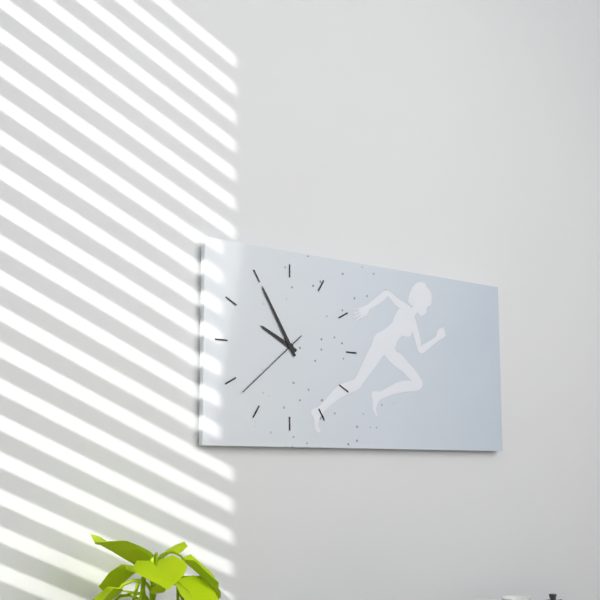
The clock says {"hour": 9, "minute": 55, "second": 38}
